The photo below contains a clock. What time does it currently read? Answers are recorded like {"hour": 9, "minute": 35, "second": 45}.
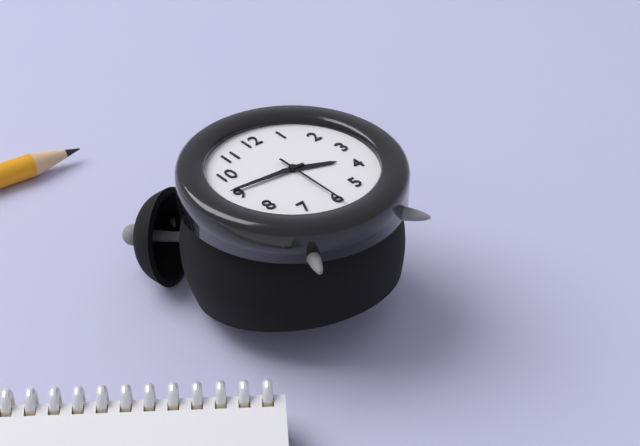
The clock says {"hour": 3, "minute": 46, "second": 30}
